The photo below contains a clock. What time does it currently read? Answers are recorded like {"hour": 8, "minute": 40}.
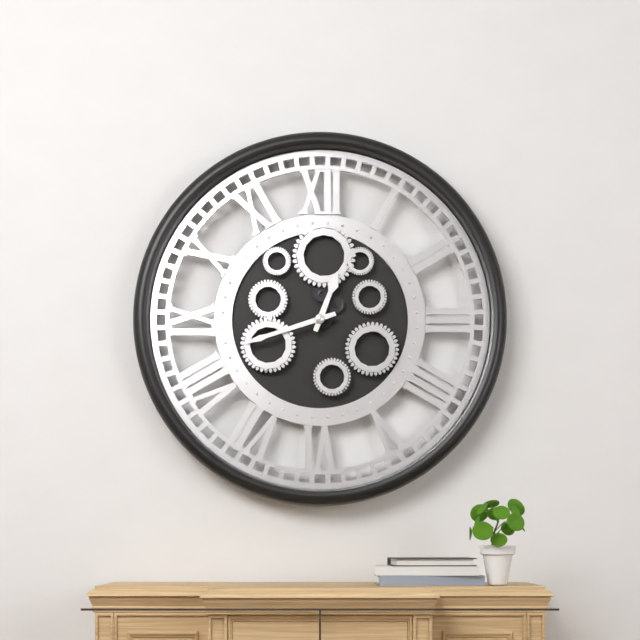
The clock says {"hour": 12, "minute": 42}
